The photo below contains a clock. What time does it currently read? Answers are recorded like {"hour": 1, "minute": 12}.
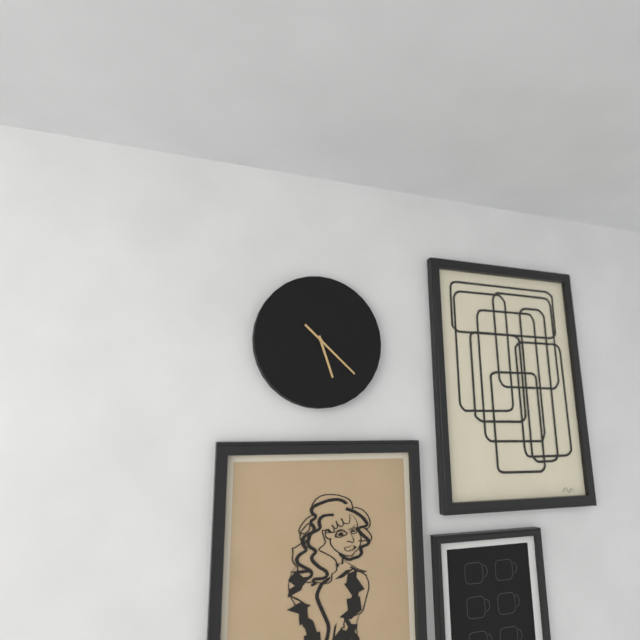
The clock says {"hour": 5, "minute": 22}
